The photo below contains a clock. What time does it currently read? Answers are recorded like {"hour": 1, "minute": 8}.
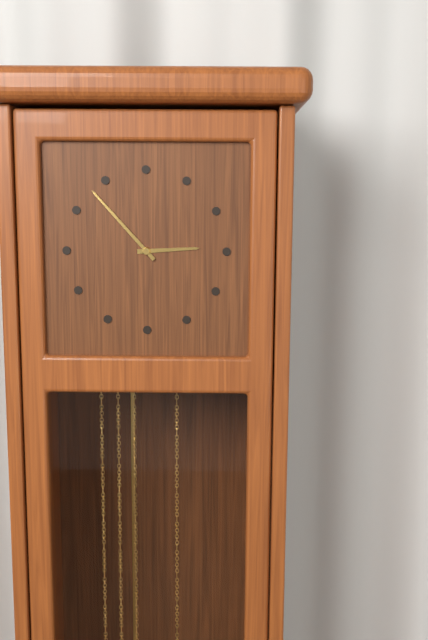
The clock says {"hour": 2, "minute": 53}
